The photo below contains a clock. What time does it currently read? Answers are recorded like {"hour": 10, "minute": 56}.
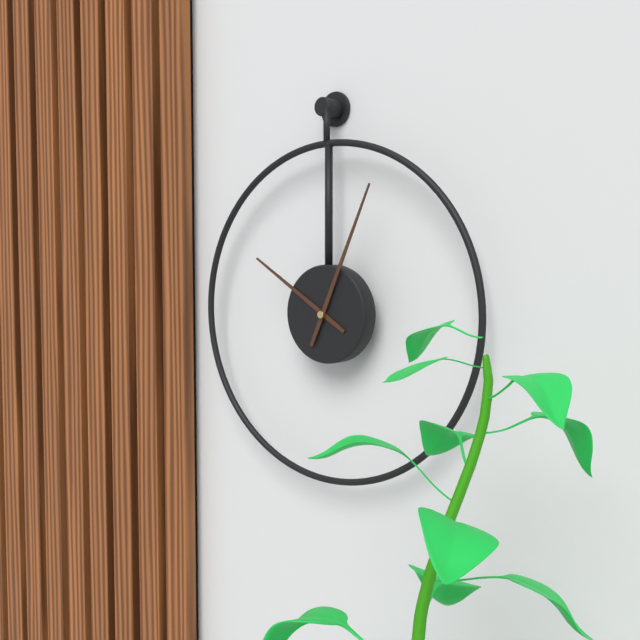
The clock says {"hour": 10, "minute": 4}
